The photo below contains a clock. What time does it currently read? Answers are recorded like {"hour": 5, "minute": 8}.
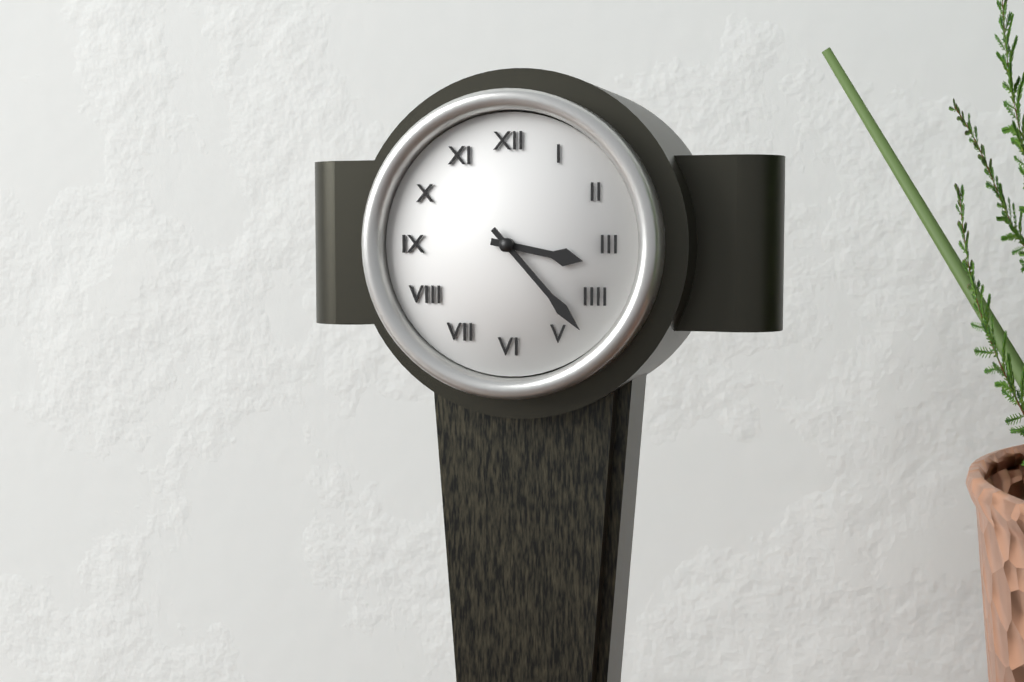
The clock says {"hour": 3, "minute": 23}
